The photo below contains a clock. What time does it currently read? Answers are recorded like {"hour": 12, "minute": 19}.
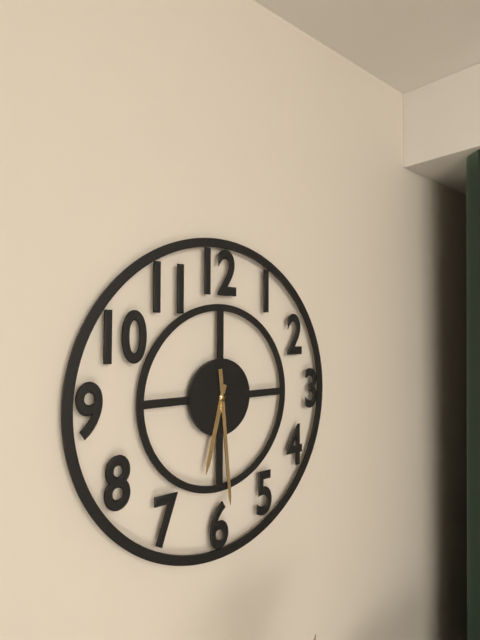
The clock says {"hour": 6, "minute": 29}
